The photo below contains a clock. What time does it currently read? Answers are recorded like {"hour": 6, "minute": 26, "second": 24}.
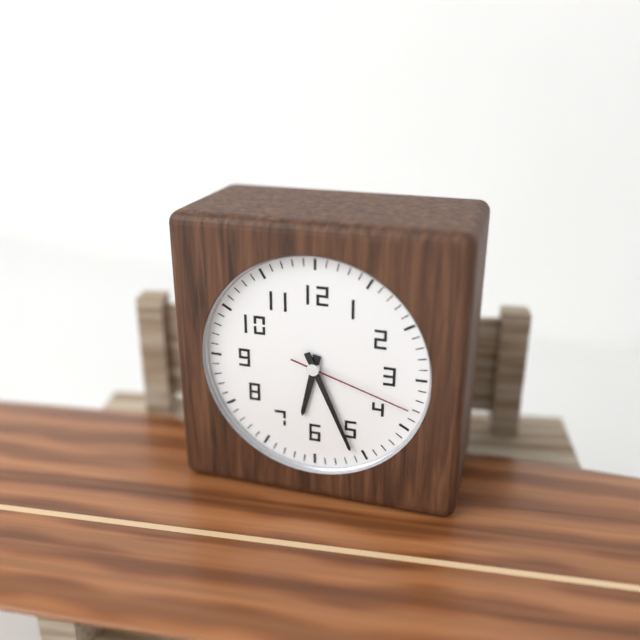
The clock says {"hour": 6, "minute": 26, "second": 18}
